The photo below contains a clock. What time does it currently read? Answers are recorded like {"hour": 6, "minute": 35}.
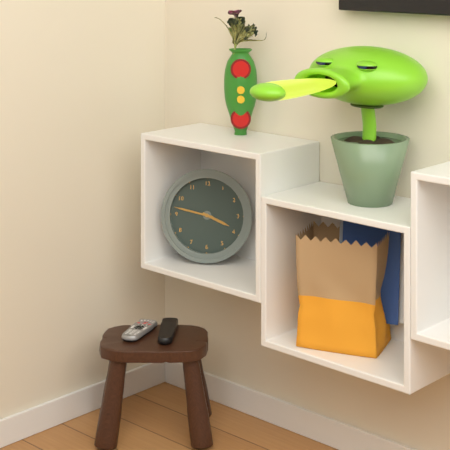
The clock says {"hour": 3, "minute": 47}
